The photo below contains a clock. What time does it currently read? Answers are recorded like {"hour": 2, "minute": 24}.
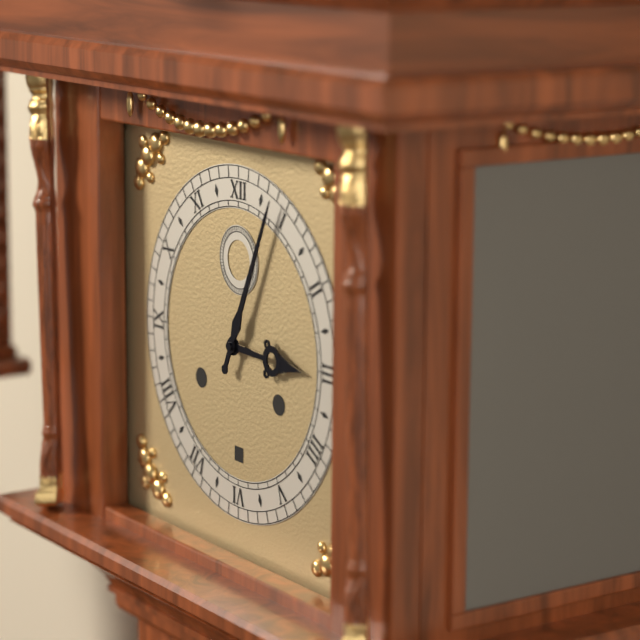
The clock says {"hour": 3, "minute": 4}
